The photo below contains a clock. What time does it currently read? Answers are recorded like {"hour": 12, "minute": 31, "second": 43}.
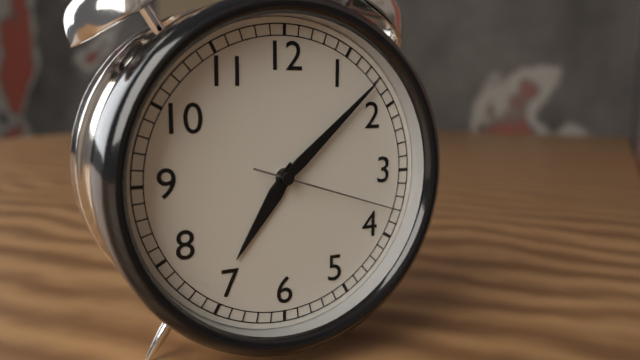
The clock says {"hour": 7, "minute": 8, "second": 18}
